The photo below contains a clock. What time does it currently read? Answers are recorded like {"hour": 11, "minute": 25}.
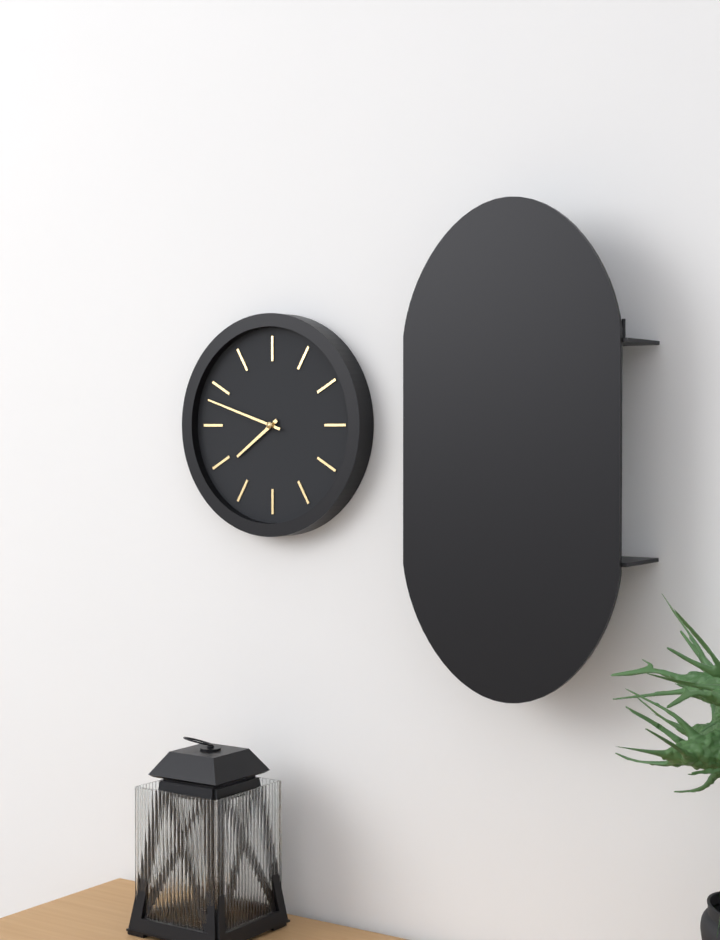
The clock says {"hour": 7, "minute": 48}
